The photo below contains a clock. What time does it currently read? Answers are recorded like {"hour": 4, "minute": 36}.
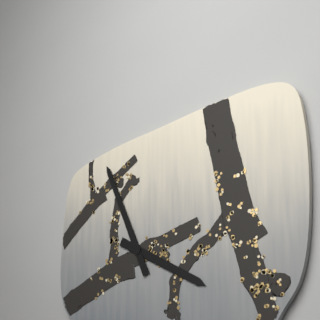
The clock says {"hour": 3, "minute": 56}
